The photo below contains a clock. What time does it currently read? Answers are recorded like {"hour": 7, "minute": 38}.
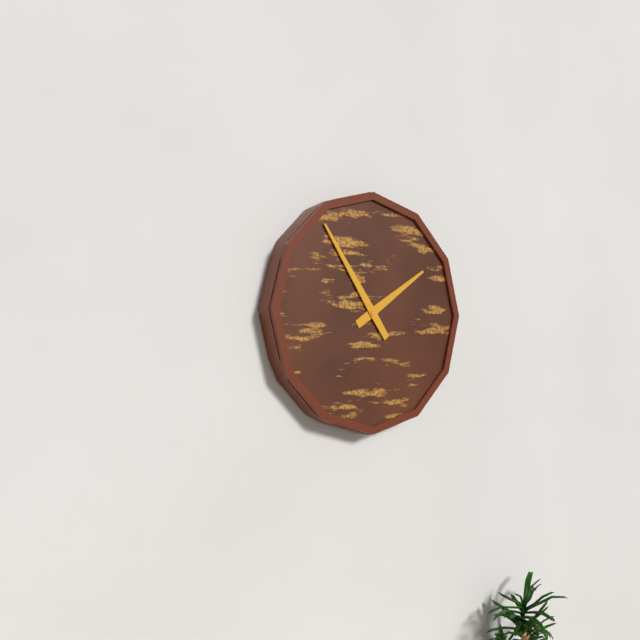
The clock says {"hour": 1, "minute": 54}
